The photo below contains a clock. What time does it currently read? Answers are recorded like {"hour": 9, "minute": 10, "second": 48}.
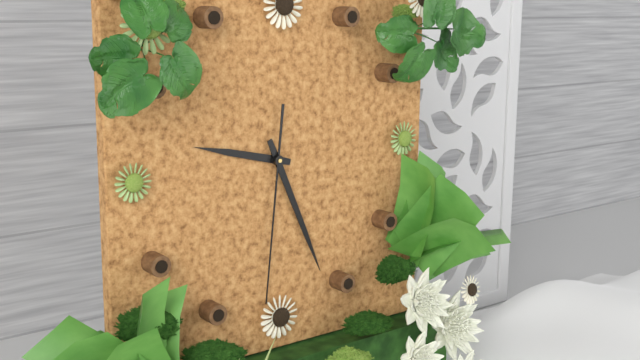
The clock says {"hour": 9, "minute": 26, "second": 31}
